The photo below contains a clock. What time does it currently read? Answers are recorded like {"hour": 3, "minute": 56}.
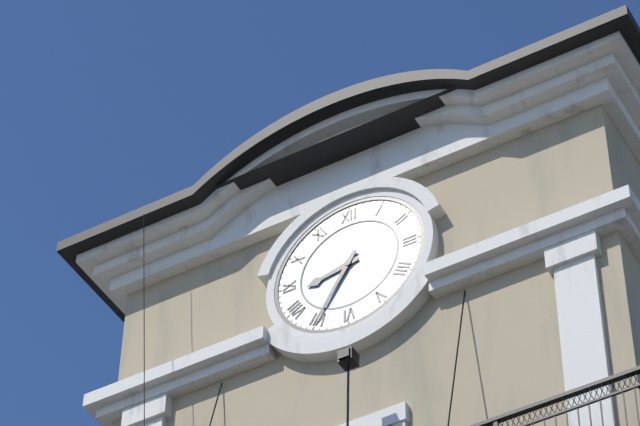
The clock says {"hour": 8, "minute": 35}
